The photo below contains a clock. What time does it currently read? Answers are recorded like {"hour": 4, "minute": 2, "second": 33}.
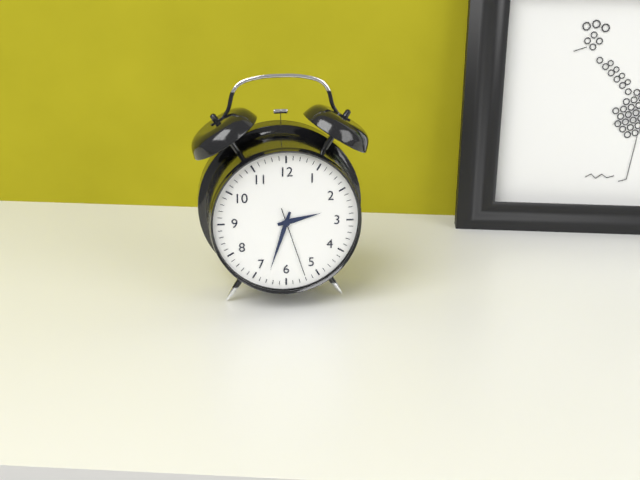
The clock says {"hour": 2, "minute": 33, "second": 27}
